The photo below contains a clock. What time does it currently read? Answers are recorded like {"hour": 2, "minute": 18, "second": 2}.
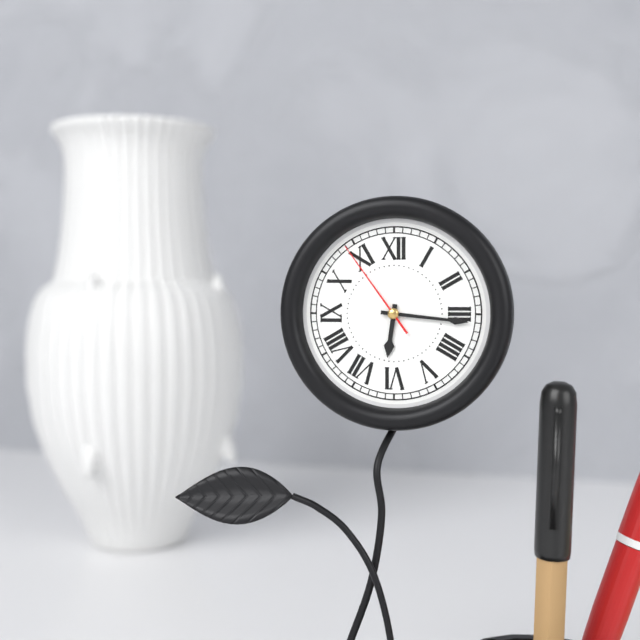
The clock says {"hour": 6, "minute": 16, "second": 54}
